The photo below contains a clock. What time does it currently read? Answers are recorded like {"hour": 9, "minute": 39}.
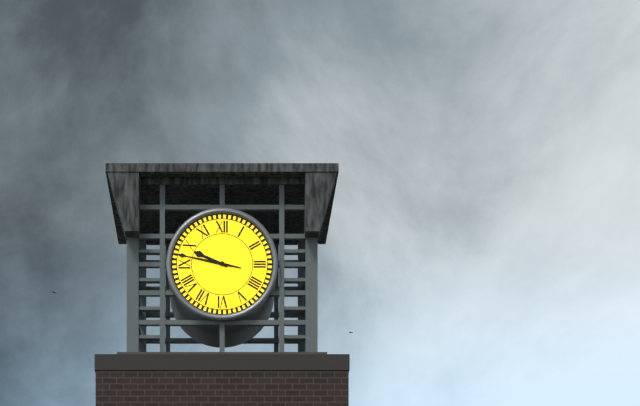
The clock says {"hour": 9, "minute": 47}
